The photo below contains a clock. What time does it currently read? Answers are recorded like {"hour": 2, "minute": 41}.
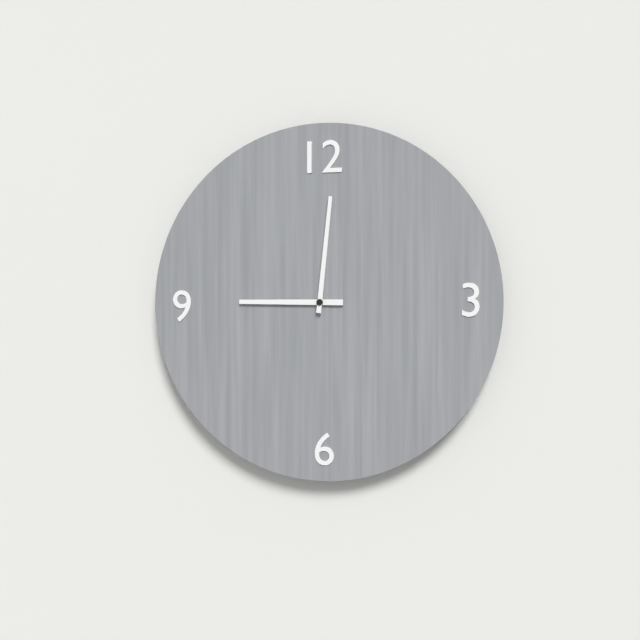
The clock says {"hour": 9, "minute": 1}
